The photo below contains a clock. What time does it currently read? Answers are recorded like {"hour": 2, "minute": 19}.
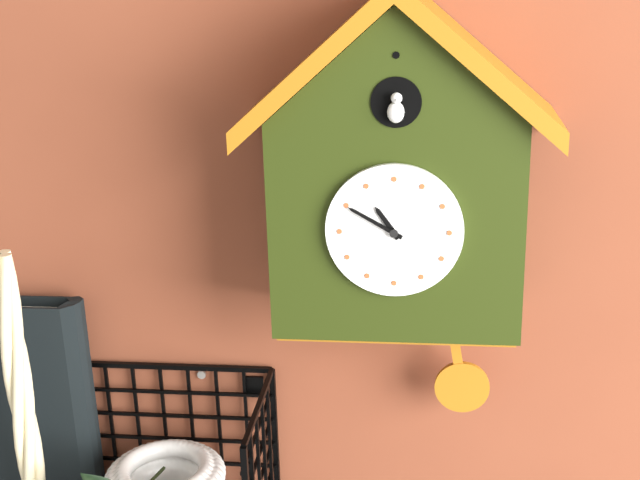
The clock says {"hour": 10, "minute": 50}
